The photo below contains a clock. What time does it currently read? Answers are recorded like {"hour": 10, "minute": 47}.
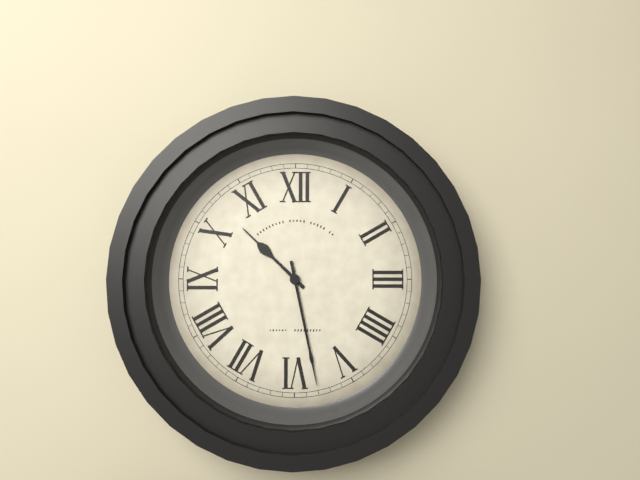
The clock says {"hour": 10, "minute": 28}
